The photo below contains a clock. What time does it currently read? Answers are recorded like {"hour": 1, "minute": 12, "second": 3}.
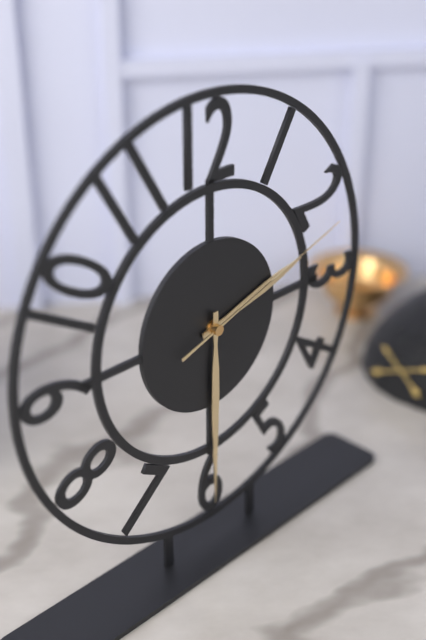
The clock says {"hour": 2, "minute": 30, "second": 12}
